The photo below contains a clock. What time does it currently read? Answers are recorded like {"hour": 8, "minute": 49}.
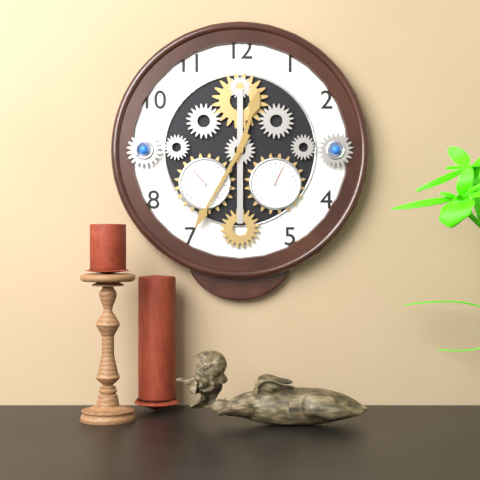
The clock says {"hour": 12, "minute": 35}
